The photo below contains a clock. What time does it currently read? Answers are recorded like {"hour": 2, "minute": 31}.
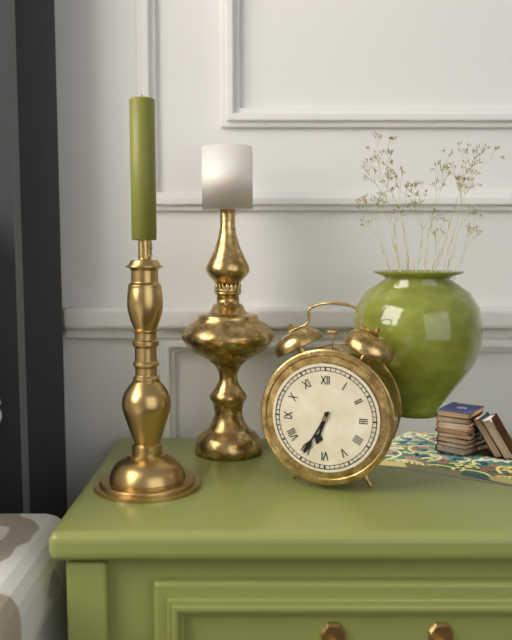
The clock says {"hour": 6, "minute": 35}
